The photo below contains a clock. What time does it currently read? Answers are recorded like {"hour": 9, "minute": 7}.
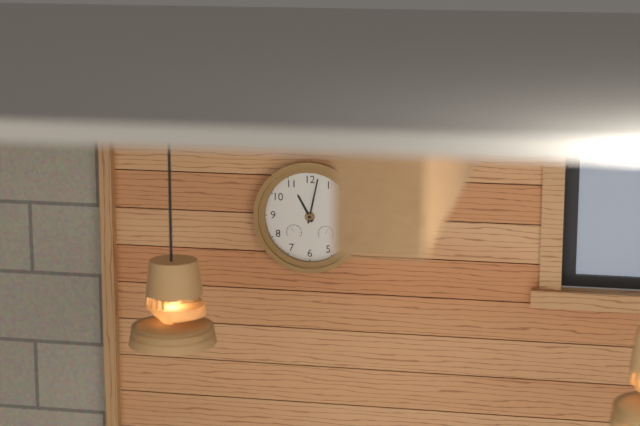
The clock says {"hour": 11, "minute": 2}
